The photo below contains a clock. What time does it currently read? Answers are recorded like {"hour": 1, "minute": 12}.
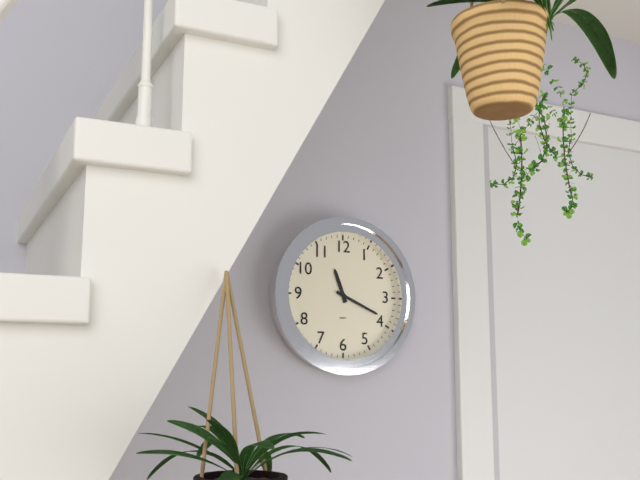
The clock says {"hour": 11, "minute": 19}
